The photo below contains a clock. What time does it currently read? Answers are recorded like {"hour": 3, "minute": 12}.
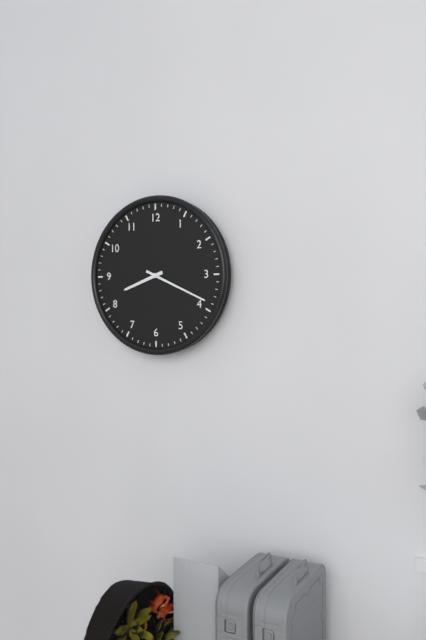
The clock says {"hour": 8, "minute": 19}
